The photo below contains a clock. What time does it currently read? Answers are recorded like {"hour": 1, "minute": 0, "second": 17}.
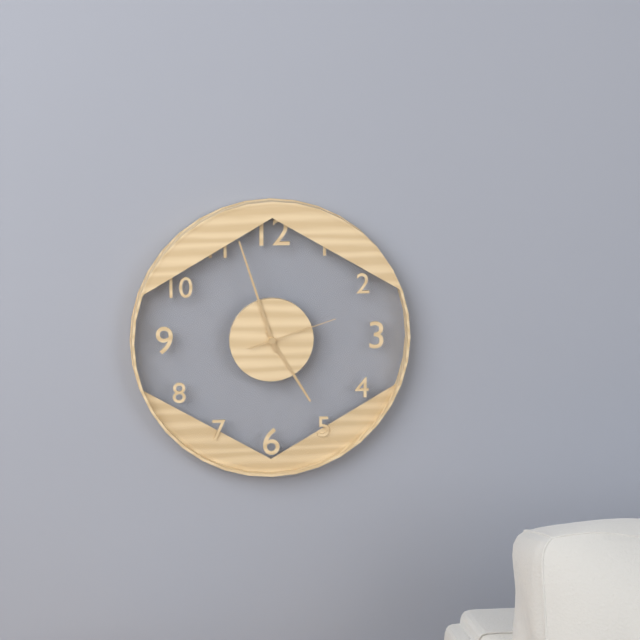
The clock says {"hour": 4, "minute": 57, "second": 12}
